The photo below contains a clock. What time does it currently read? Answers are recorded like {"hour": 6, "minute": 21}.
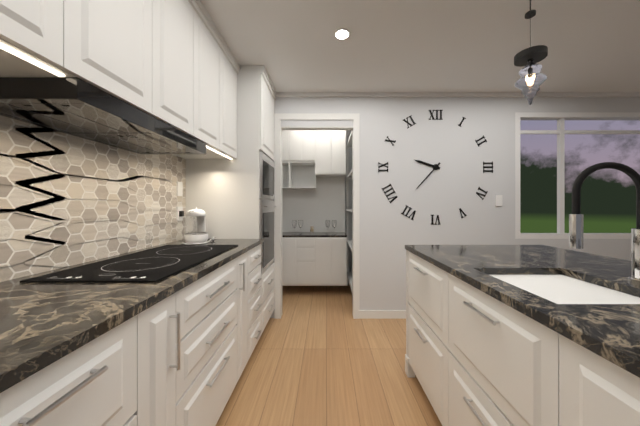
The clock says {"hour": 9, "minute": 37}
